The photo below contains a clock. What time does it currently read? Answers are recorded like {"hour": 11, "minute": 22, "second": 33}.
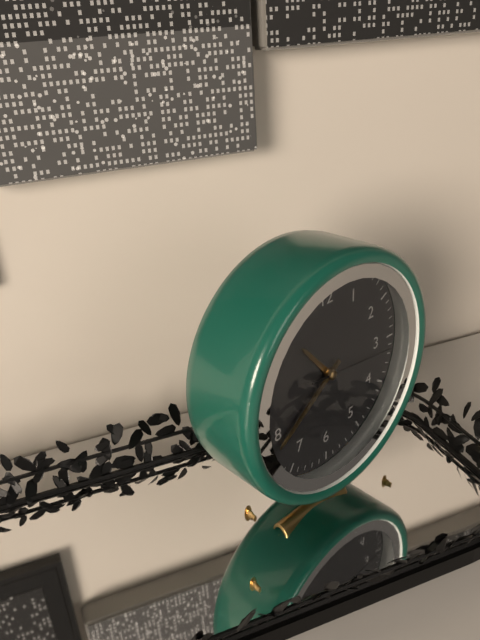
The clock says {"hour": 10, "minute": 39, "second": 16}
